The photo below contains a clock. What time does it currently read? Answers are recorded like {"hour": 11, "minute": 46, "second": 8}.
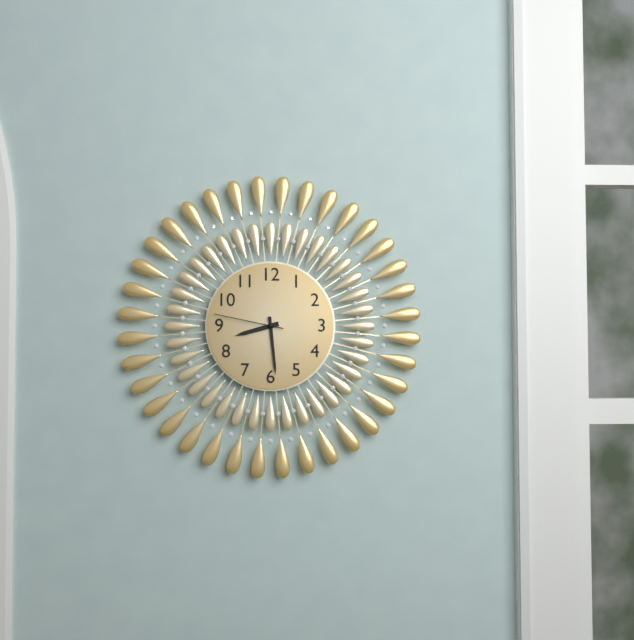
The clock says {"hour": 8, "minute": 29, "second": 47}
